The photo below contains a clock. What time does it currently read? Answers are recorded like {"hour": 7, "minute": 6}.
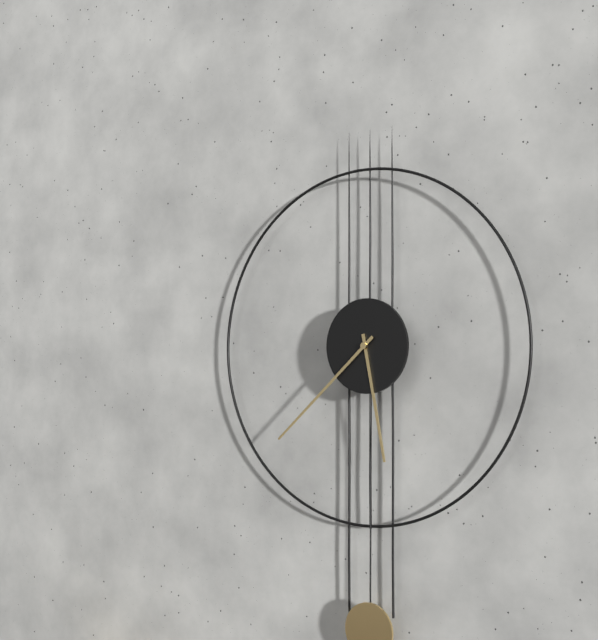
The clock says {"hour": 5, "minute": 38}
